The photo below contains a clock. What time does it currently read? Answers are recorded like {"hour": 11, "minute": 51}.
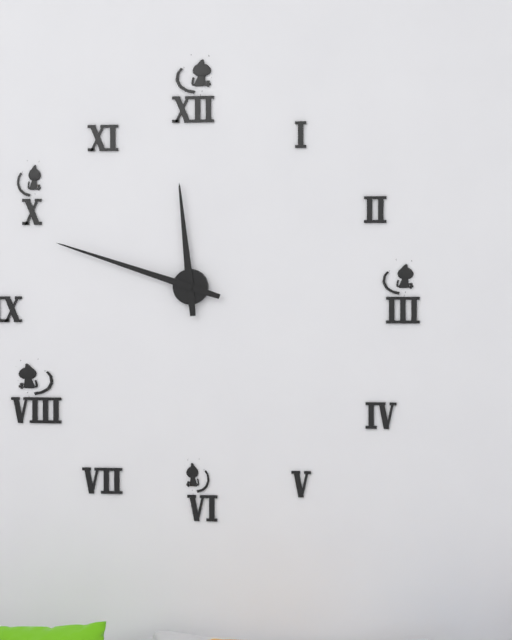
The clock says {"hour": 11, "minute": 48}
